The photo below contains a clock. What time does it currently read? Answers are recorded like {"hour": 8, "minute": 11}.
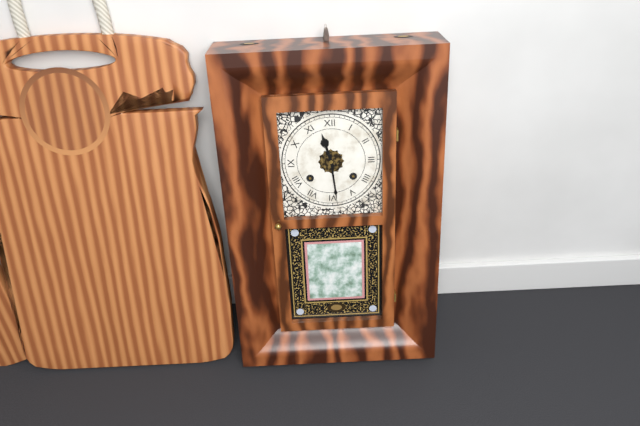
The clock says {"hour": 11, "minute": 29}
